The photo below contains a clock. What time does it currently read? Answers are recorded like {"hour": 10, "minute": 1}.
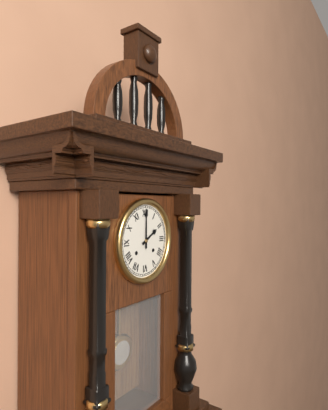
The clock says {"hour": 2, "minute": 0}
